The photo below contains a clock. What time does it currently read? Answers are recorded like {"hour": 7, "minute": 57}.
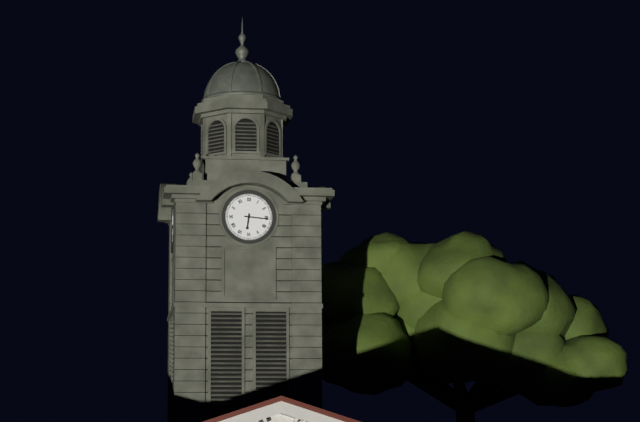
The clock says {"hour": 6, "minute": 16}
